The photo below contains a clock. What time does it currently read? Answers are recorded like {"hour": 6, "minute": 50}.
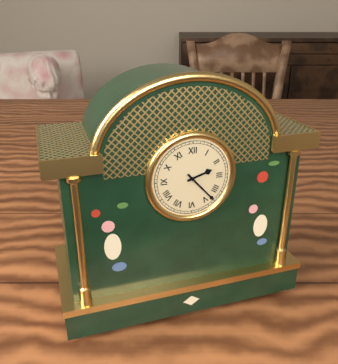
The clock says {"hour": 2, "minute": 23}
